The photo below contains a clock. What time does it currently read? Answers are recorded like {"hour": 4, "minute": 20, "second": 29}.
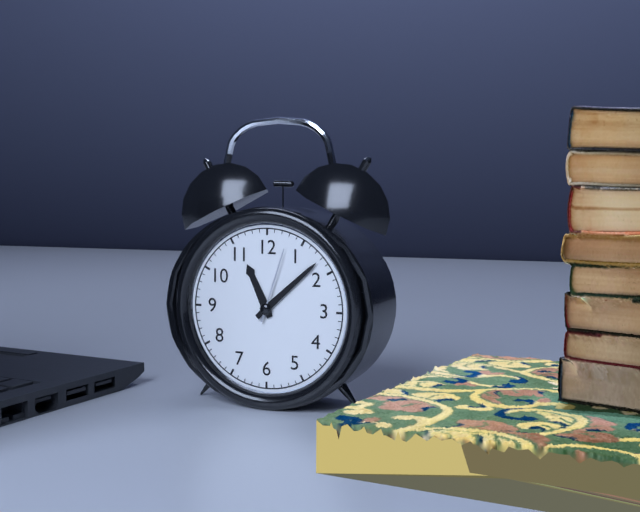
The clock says {"hour": 11, "minute": 8, "second": 3}
